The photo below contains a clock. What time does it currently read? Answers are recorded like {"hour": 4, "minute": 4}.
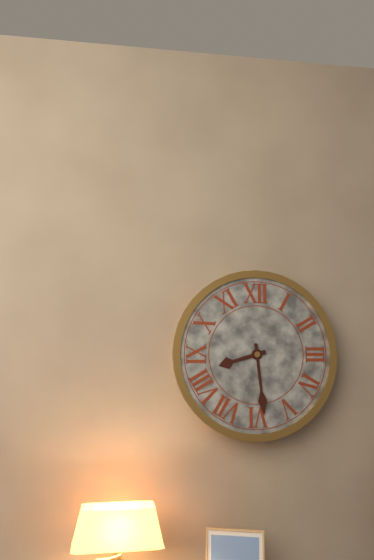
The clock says {"hour": 8, "minute": 29}
